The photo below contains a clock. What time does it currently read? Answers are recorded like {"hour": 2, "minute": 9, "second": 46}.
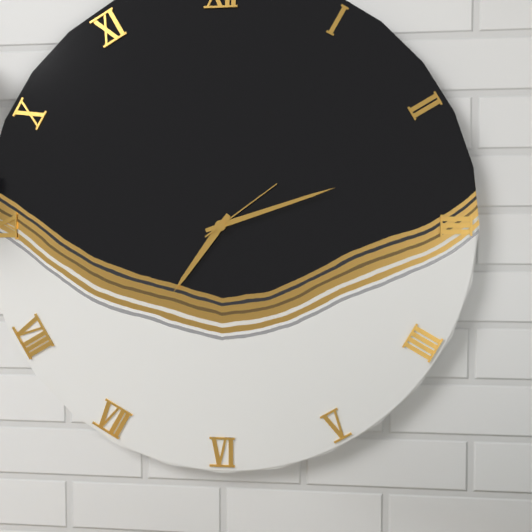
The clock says {"hour": 7, "minute": 12, "second": 9}
